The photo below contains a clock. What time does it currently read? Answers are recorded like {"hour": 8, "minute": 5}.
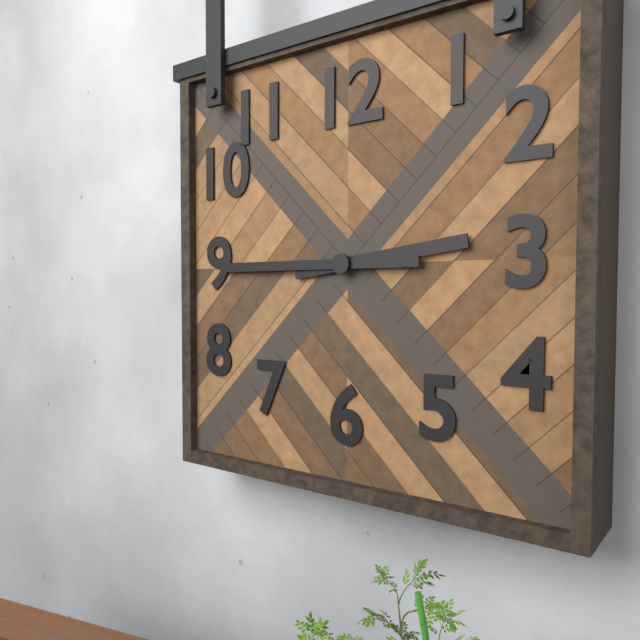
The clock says {"hour": 2, "minute": 45}
